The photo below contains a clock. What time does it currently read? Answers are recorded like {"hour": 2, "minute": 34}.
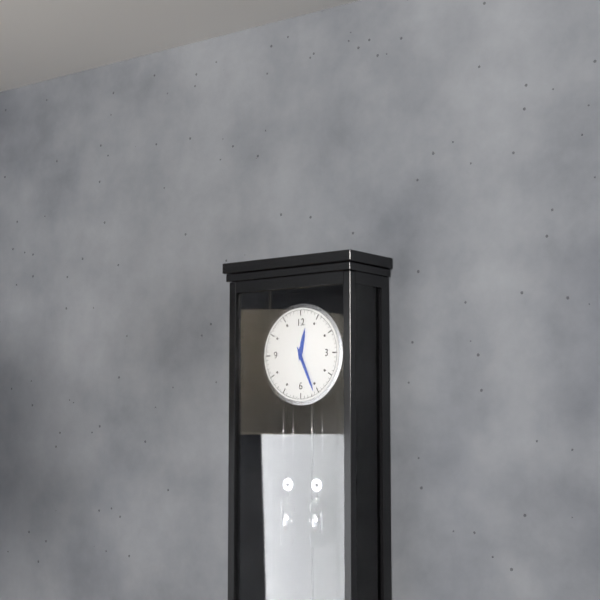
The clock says {"hour": 12, "minute": 26}
